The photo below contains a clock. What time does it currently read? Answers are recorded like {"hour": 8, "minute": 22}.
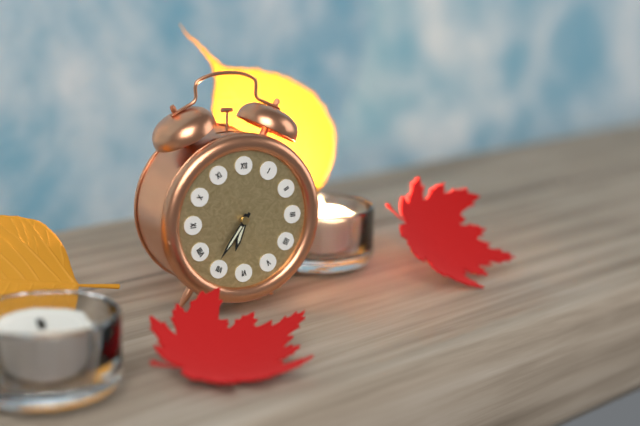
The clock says {"hour": 6, "minute": 36}
